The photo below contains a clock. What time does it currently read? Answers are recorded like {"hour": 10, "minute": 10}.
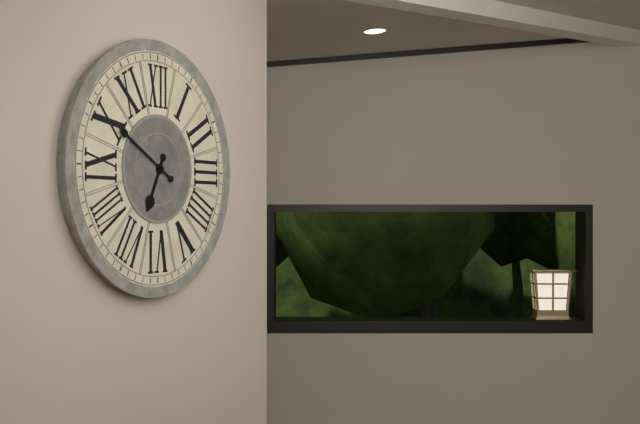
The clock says {"hour": 6, "minute": 50}
